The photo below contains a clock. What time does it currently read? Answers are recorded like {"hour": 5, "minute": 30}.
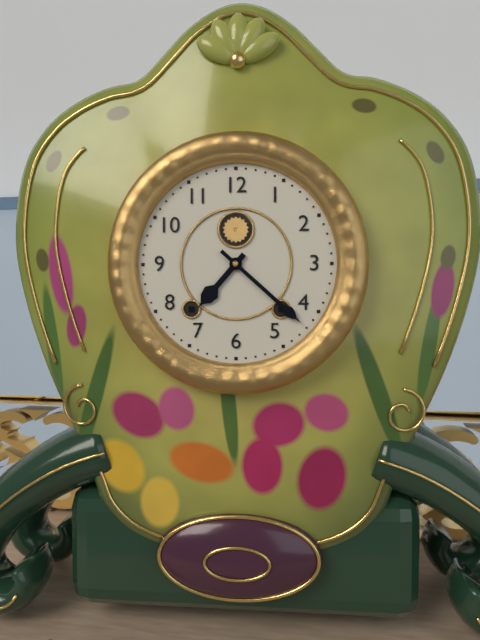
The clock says {"hour": 7, "minute": 22}
